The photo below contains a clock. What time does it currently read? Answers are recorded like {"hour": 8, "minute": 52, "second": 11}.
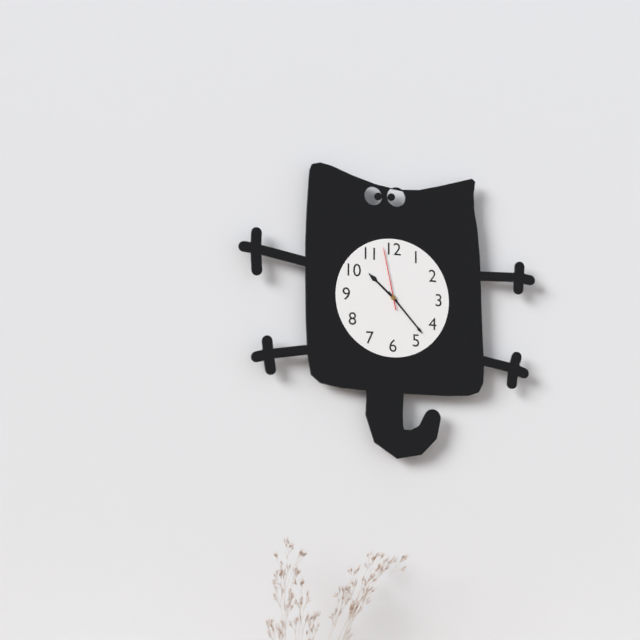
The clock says {"hour": 10, "minute": 23, "second": 58}
